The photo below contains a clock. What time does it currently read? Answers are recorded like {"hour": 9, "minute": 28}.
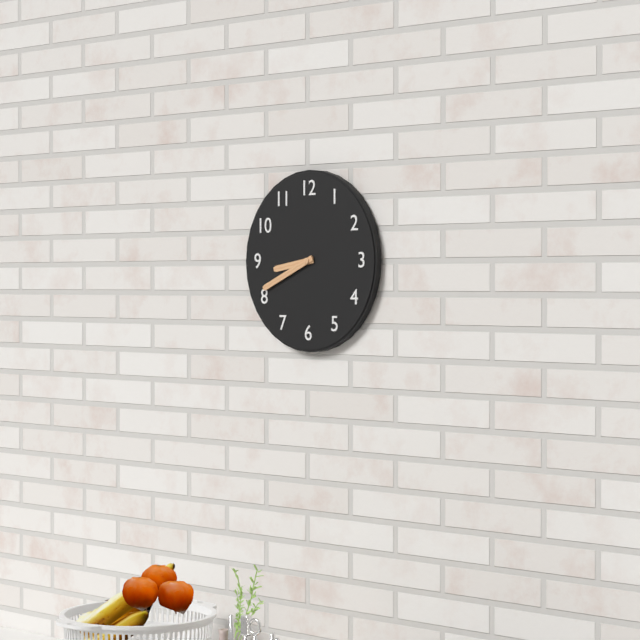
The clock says {"hour": 8, "minute": 41}
